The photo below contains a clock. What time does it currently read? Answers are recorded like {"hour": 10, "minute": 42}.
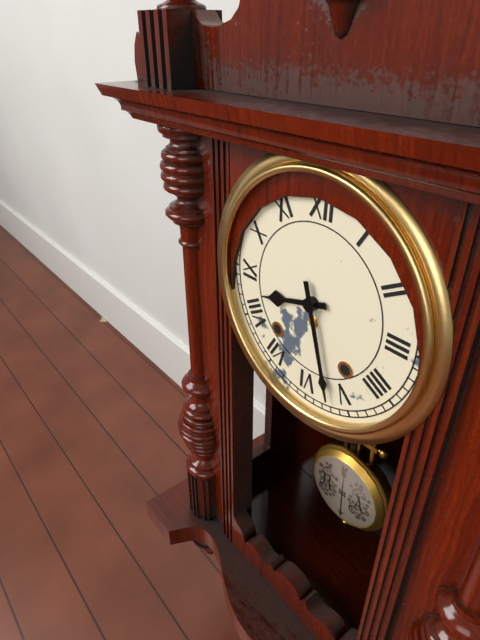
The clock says {"hour": 8, "minute": 27}
